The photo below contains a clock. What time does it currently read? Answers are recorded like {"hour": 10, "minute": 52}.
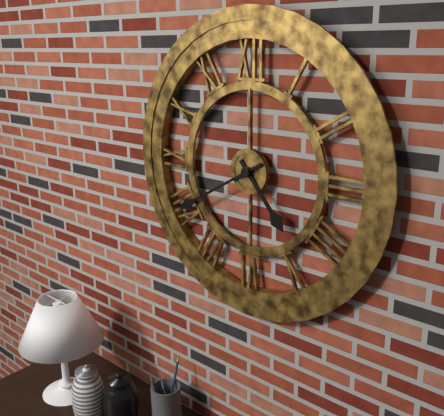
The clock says {"hour": 4, "minute": 40}
